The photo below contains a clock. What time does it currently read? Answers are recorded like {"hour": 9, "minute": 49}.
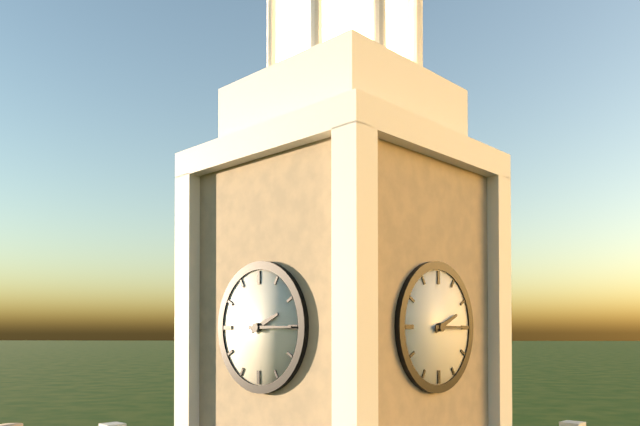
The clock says {"hour": 2, "minute": 15}
